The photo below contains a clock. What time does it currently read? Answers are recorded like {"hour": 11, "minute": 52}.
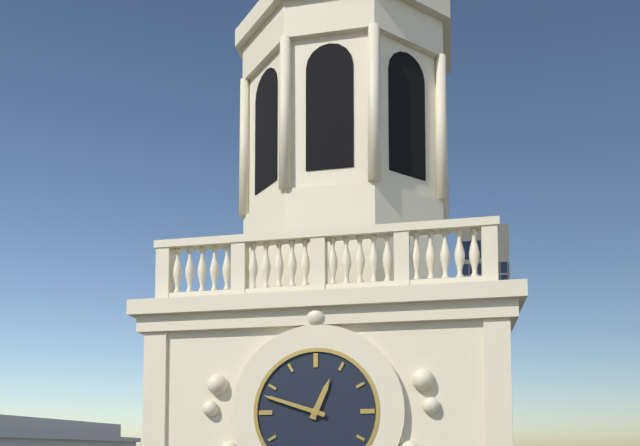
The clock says {"hour": 12, "minute": 48}
